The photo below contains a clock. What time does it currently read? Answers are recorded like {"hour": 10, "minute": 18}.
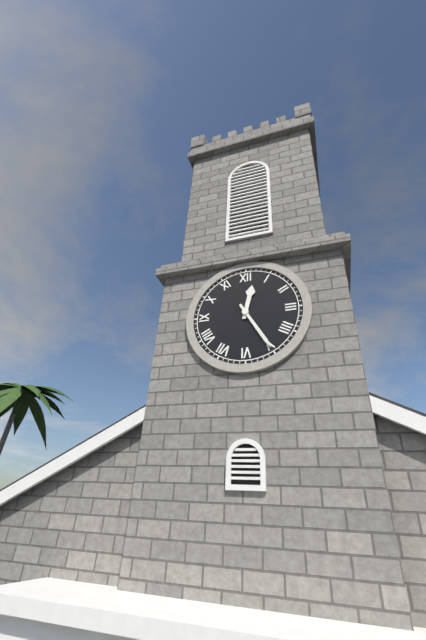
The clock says {"hour": 12, "minute": 25}
